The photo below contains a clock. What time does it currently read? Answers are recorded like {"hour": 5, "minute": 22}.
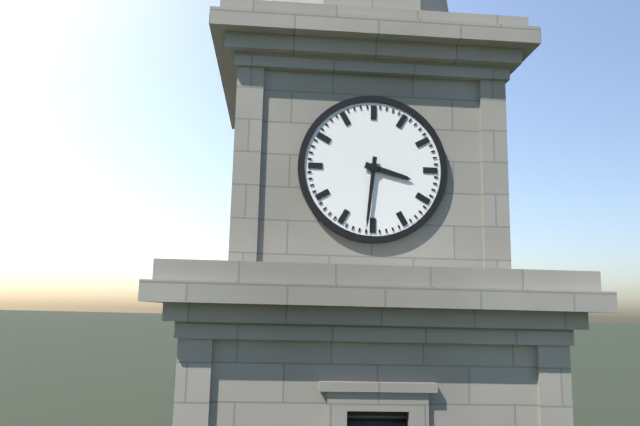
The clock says {"hour": 3, "minute": 31}
